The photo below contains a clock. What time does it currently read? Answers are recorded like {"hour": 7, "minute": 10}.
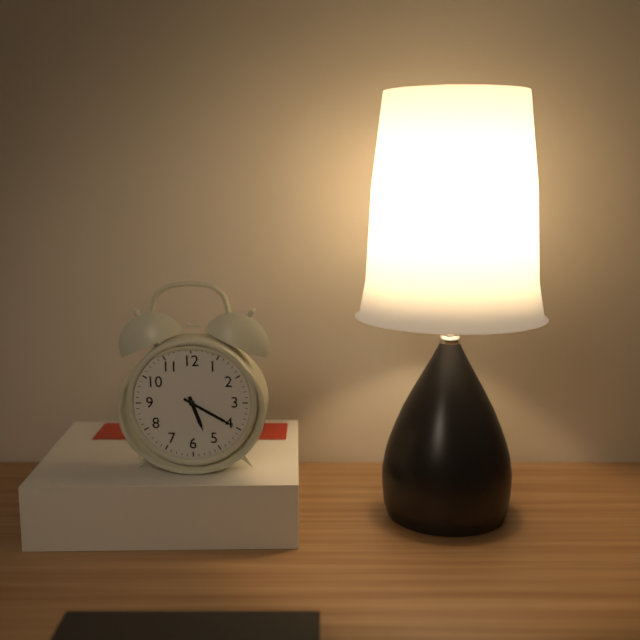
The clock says {"hour": 5, "minute": 20}
